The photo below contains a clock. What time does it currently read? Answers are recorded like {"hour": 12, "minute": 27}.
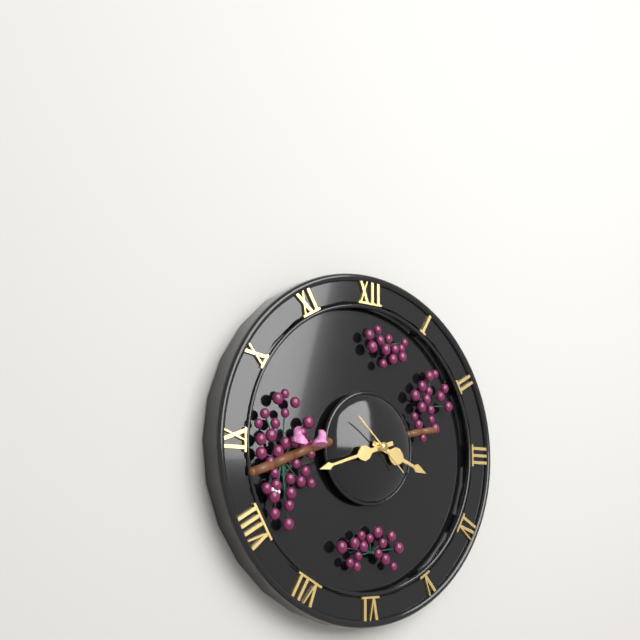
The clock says {"hour": 3, "minute": 42}
